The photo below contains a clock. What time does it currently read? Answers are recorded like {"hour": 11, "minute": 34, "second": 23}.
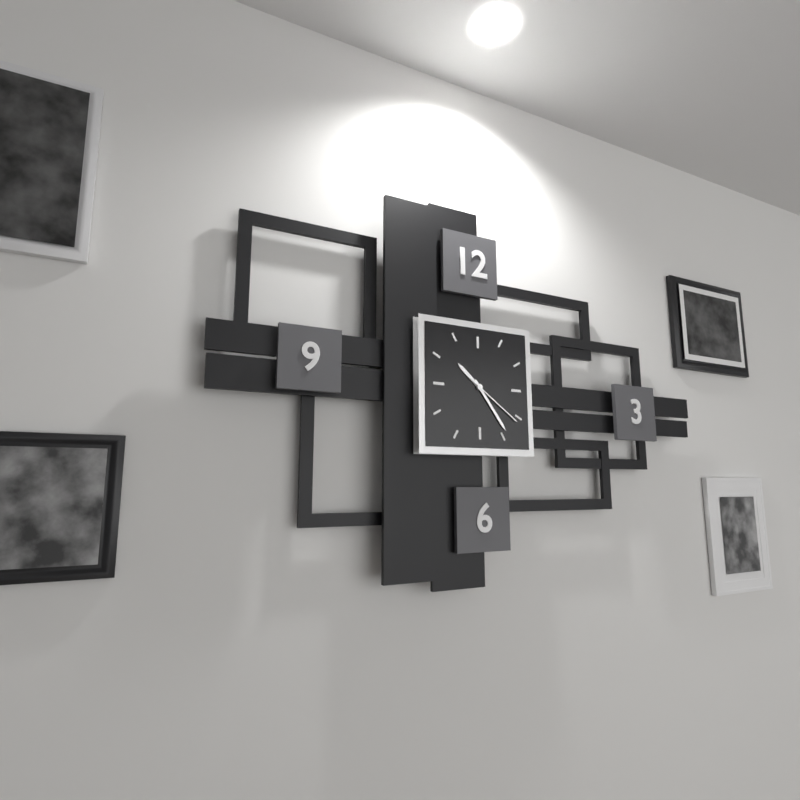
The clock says {"hour": 10, "minute": 24, "second": 21}
